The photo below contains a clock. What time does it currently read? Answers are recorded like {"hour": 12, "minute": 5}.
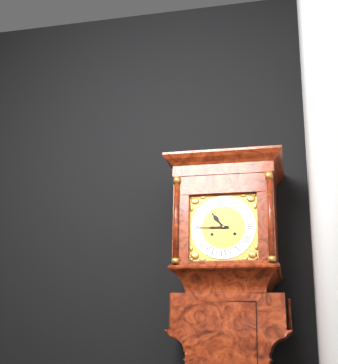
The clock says {"hour": 10, "minute": 45}
